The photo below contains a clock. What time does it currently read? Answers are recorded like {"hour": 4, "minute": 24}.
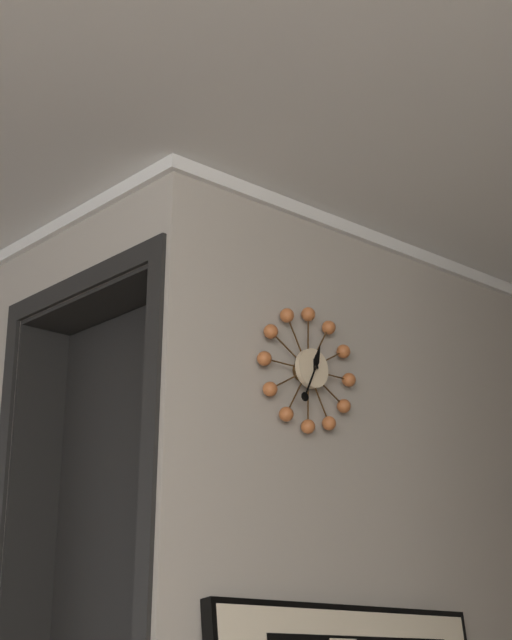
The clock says {"hour": 12, "minute": 34}
